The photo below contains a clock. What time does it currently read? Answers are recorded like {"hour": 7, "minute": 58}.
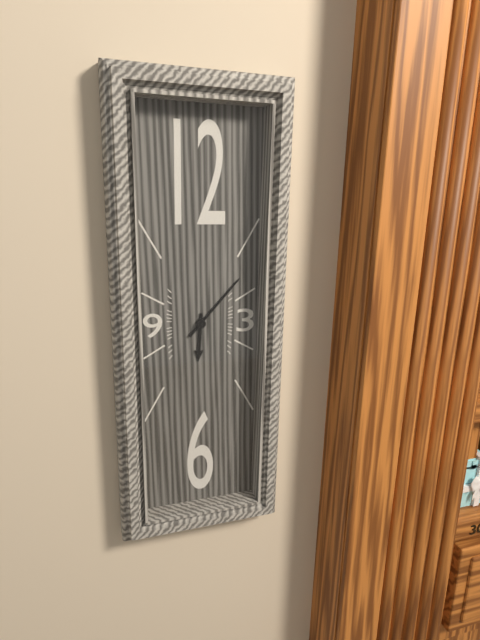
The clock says {"hour": 6, "minute": 7}
